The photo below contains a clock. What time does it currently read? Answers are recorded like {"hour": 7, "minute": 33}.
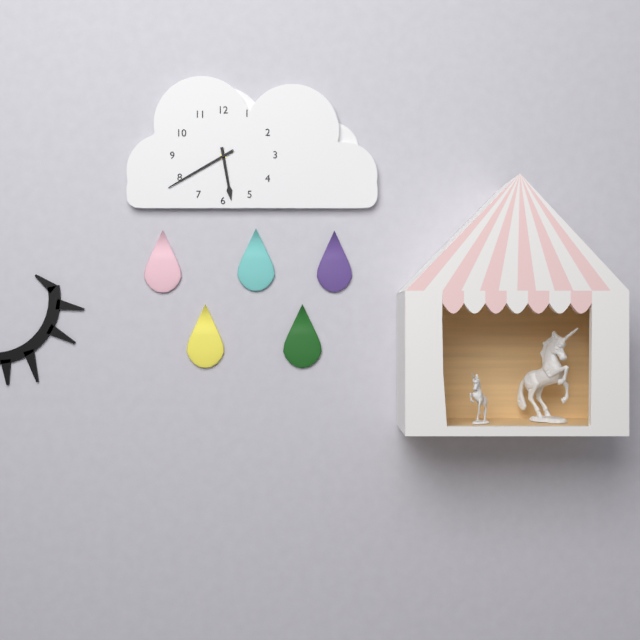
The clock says {"hour": 5, "minute": 40}
